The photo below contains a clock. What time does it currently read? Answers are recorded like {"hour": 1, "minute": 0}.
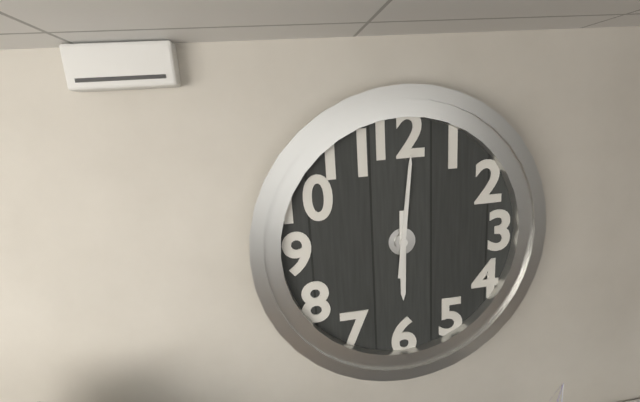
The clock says {"hour": 6, "minute": 1}
